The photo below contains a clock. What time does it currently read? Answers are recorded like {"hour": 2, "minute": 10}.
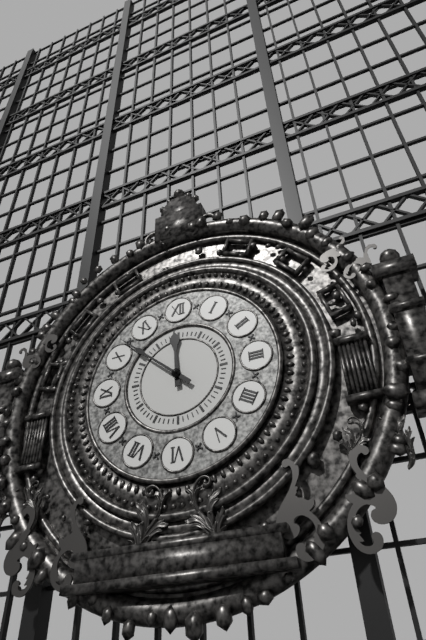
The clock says {"hour": 11, "minute": 52}
